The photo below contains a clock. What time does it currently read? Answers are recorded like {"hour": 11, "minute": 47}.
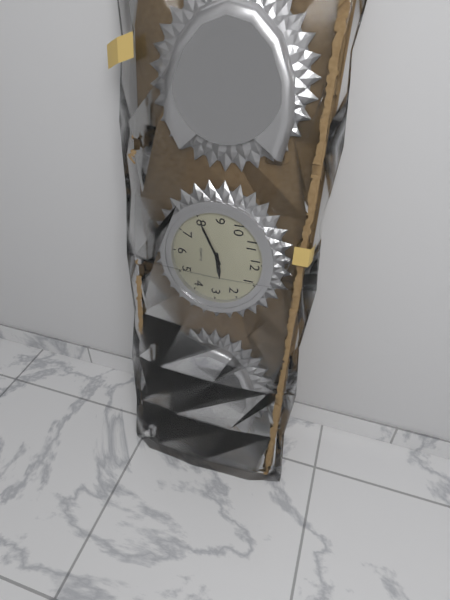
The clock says {"hour": 2, "minute": 40}
